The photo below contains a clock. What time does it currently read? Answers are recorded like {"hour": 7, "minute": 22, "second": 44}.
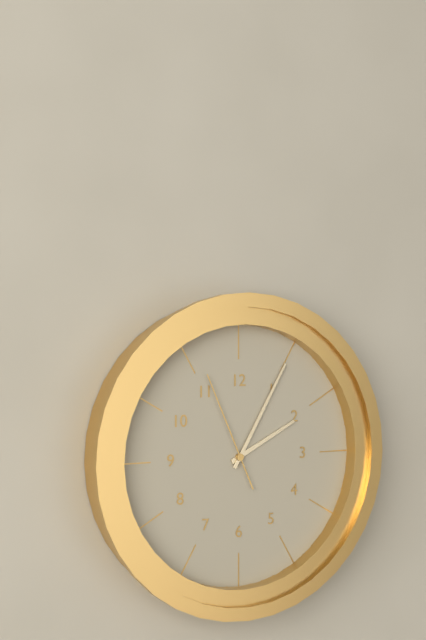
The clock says {"hour": 2, "minute": 5, "second": 56}
